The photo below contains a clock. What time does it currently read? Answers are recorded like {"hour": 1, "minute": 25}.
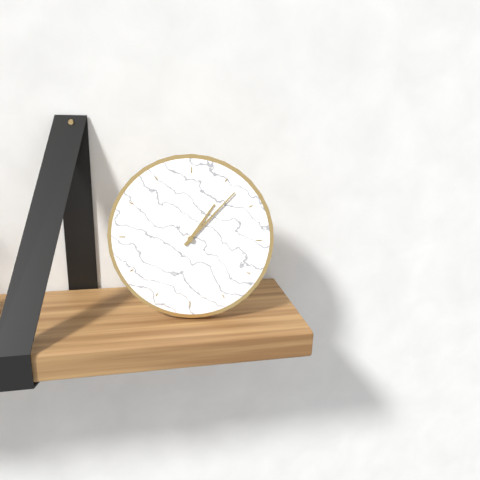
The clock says {"hour": 1, "minute": 7}
